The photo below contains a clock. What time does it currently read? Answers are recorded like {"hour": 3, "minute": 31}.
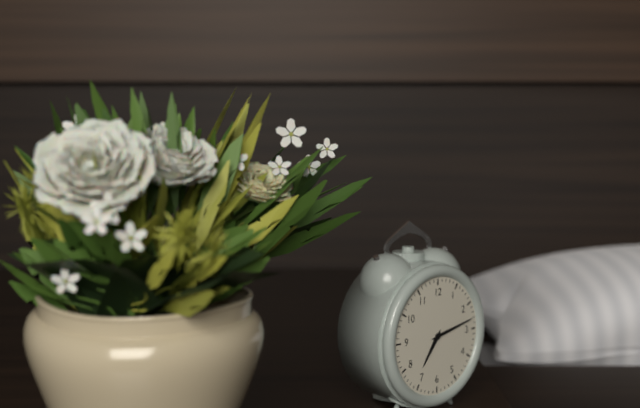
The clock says {"hour": 7, "minute": 13}
